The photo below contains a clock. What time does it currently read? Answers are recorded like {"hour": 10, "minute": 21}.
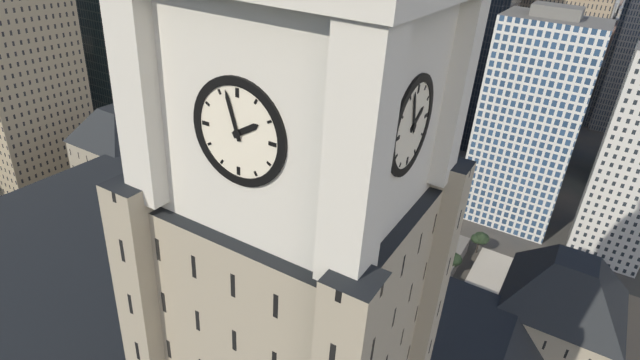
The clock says {"hour": 1, "minute": 57}
